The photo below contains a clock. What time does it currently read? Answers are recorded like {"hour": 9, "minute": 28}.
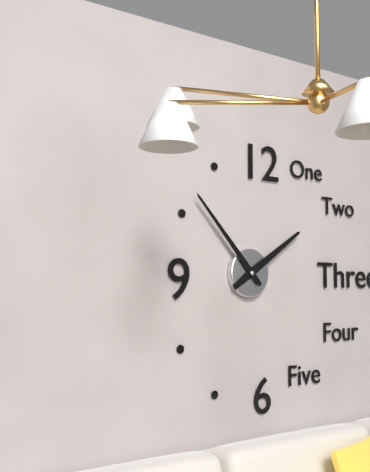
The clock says {"hour": 1, "minute": 53}
